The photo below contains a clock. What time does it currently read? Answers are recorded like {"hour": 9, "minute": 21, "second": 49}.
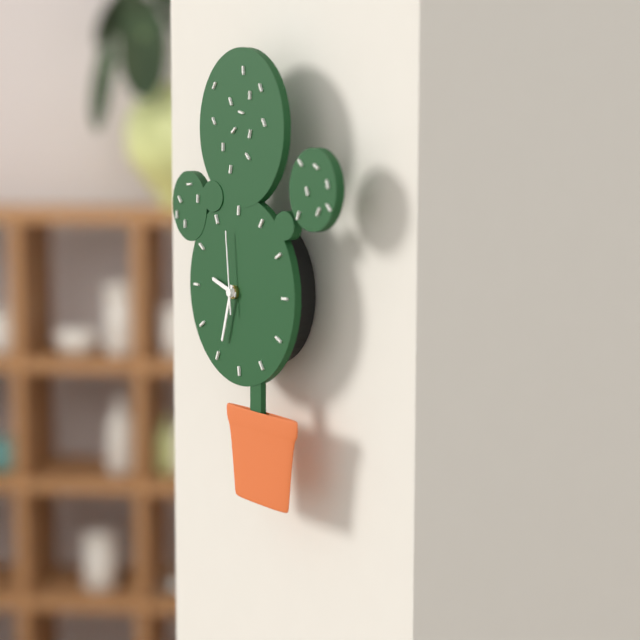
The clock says {"hour": 9, "minute": 33, "second": 59}
